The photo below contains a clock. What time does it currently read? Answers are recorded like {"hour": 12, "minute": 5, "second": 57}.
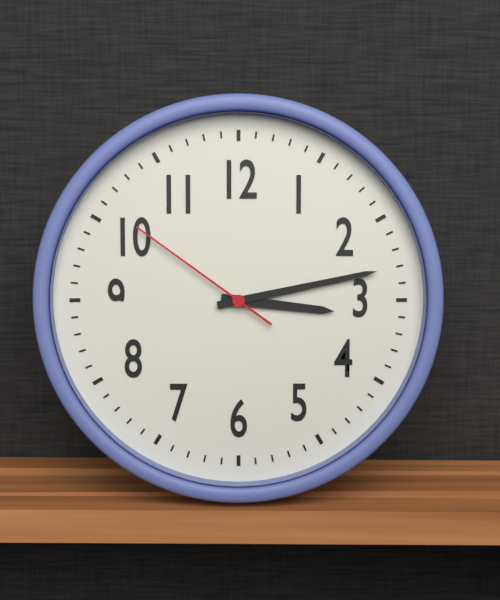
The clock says {"hour": 3, "minute": 13, "second": 51}
